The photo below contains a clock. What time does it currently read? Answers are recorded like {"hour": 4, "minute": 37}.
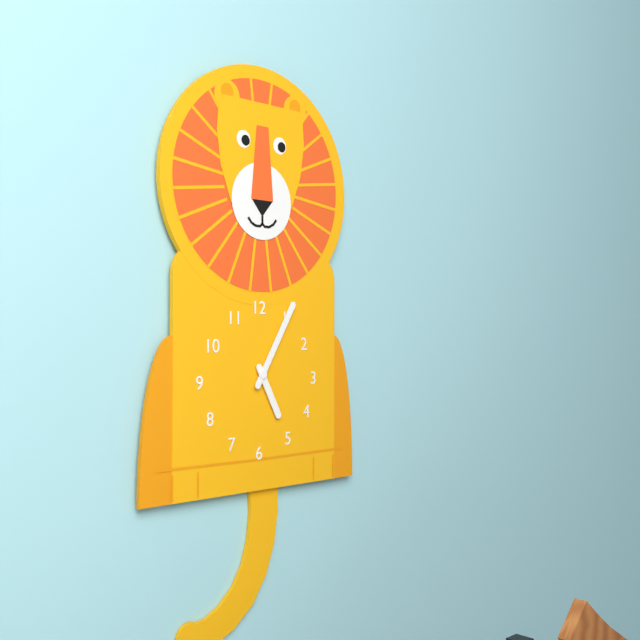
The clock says {"hour": 5, "minute": 5}
